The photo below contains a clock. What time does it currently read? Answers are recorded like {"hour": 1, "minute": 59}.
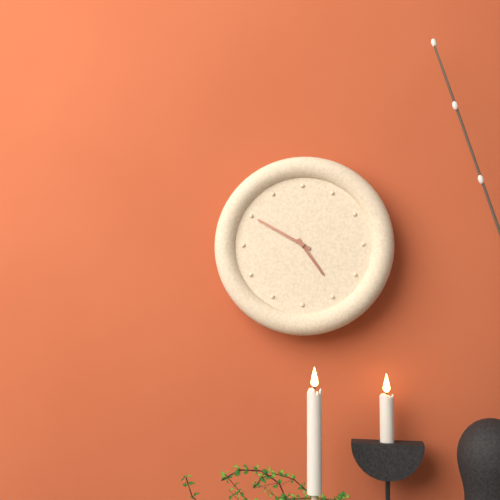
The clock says {"hour": 4, "minute": 50}
